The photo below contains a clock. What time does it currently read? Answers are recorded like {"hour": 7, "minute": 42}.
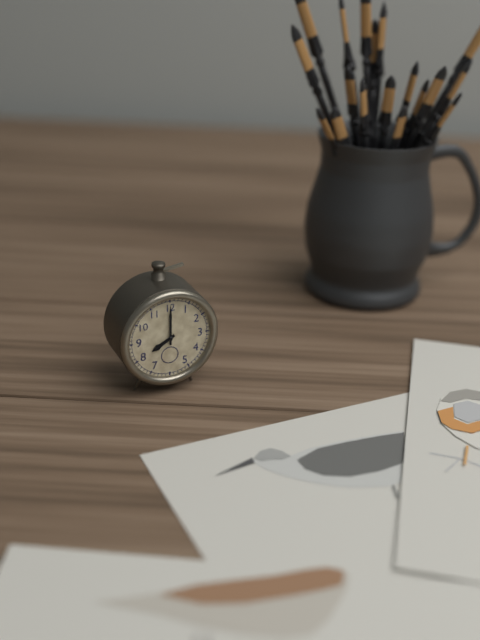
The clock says {"hour": 8, "minute": 0}
